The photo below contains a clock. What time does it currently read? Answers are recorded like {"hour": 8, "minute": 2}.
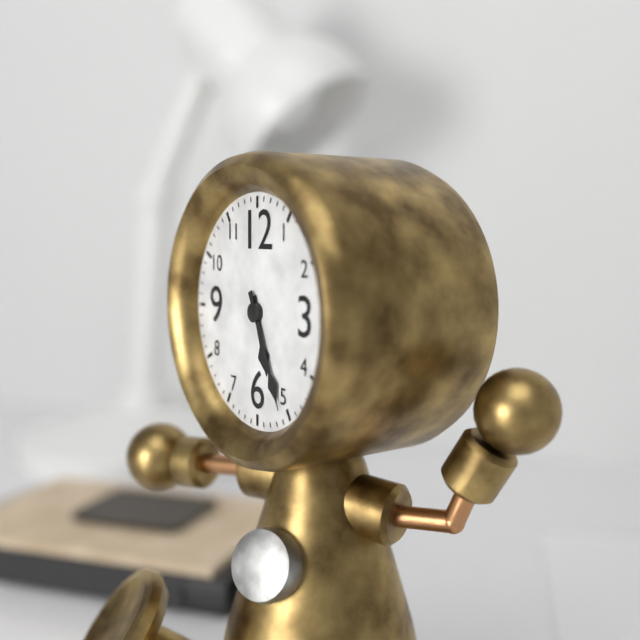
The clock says {"hour": 5, "minute": 26}
